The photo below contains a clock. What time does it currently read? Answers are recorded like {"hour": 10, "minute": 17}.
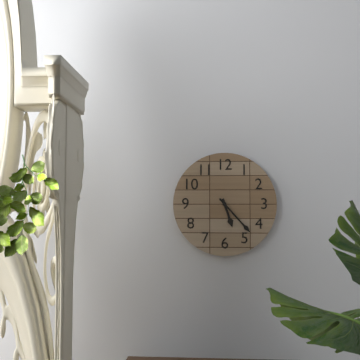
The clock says {"hour": 5, "minute": 23}
